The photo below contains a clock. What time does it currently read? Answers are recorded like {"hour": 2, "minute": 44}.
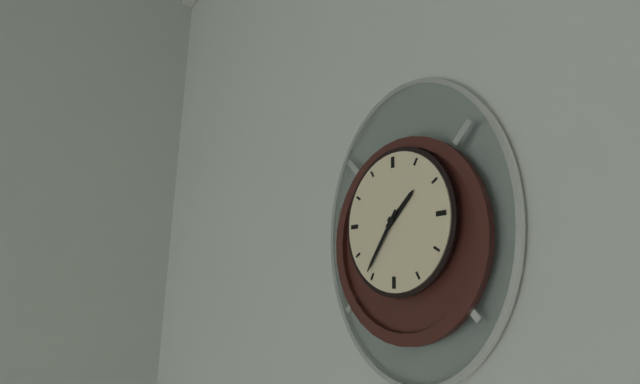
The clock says {"hour": 1, "minute": 36}
